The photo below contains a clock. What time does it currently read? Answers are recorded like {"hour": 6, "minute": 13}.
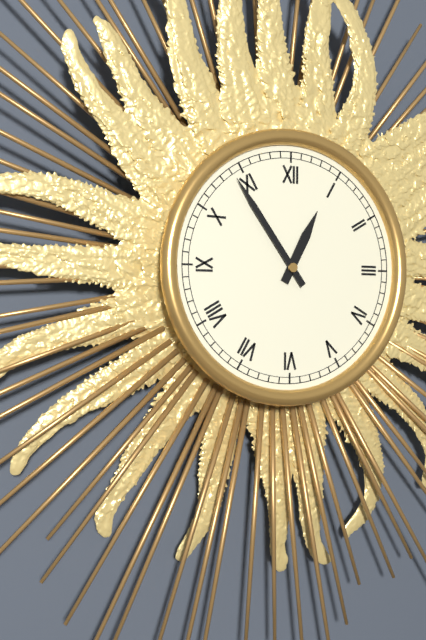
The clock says {"hour": 12, "minute": 54}
